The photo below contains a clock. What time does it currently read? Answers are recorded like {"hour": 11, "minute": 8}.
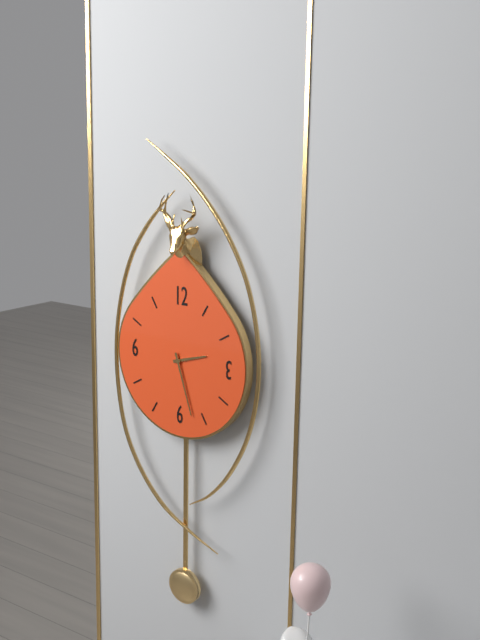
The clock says {"hour": 2, "minute": 27}
